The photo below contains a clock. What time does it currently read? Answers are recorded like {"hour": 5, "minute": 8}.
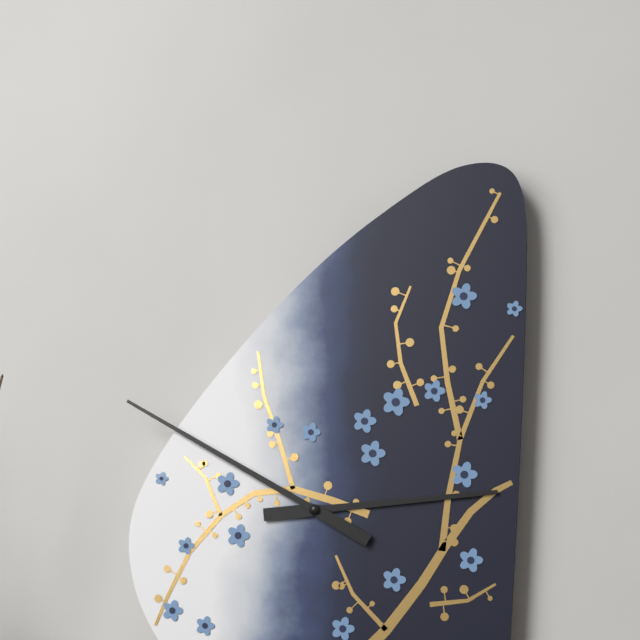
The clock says {"hour": 2, "minute": 50}
